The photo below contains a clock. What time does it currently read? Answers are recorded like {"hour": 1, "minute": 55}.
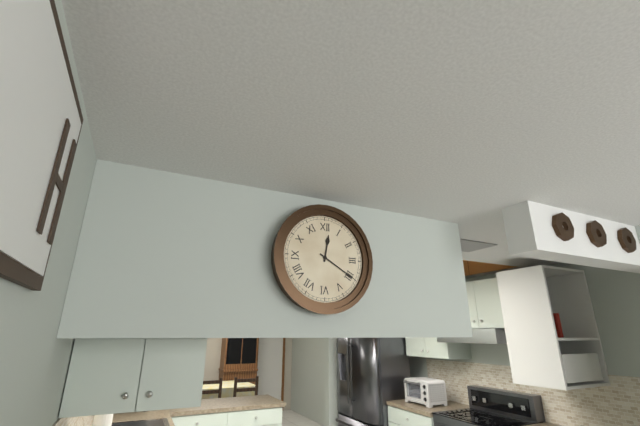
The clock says {"hour": 12, "minute": 20}
